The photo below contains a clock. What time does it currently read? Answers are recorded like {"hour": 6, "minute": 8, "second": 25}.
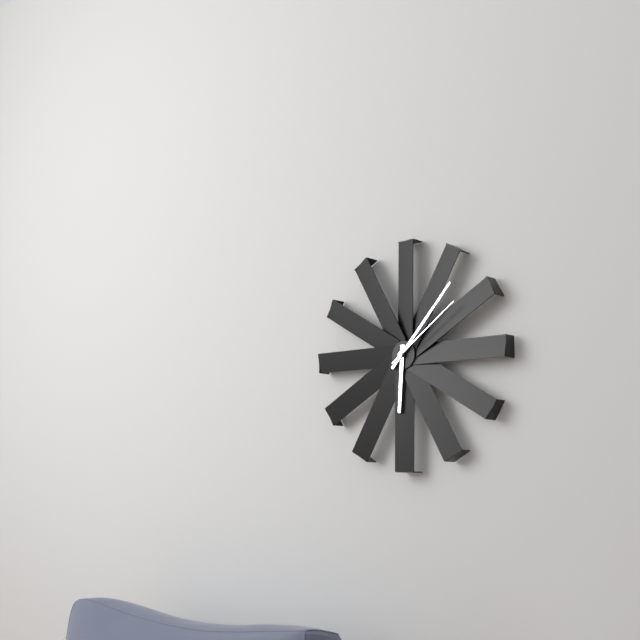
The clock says {"hour": 6, "minute": 7, "second": 9}
